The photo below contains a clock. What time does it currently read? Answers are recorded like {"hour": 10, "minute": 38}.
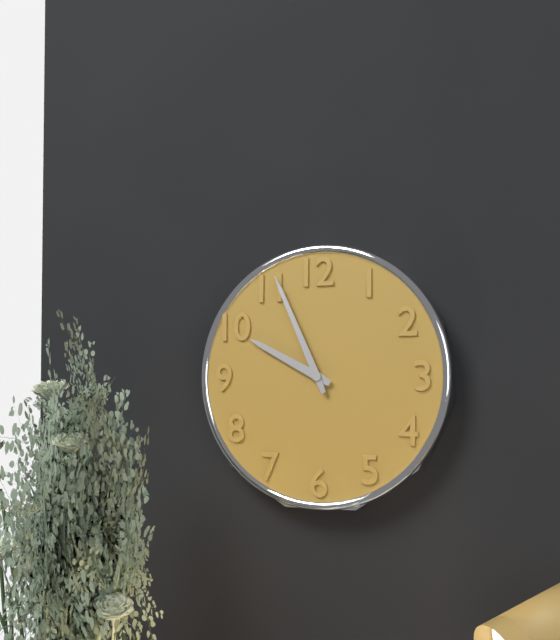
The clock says {"hour": 9, "minute": 56}
